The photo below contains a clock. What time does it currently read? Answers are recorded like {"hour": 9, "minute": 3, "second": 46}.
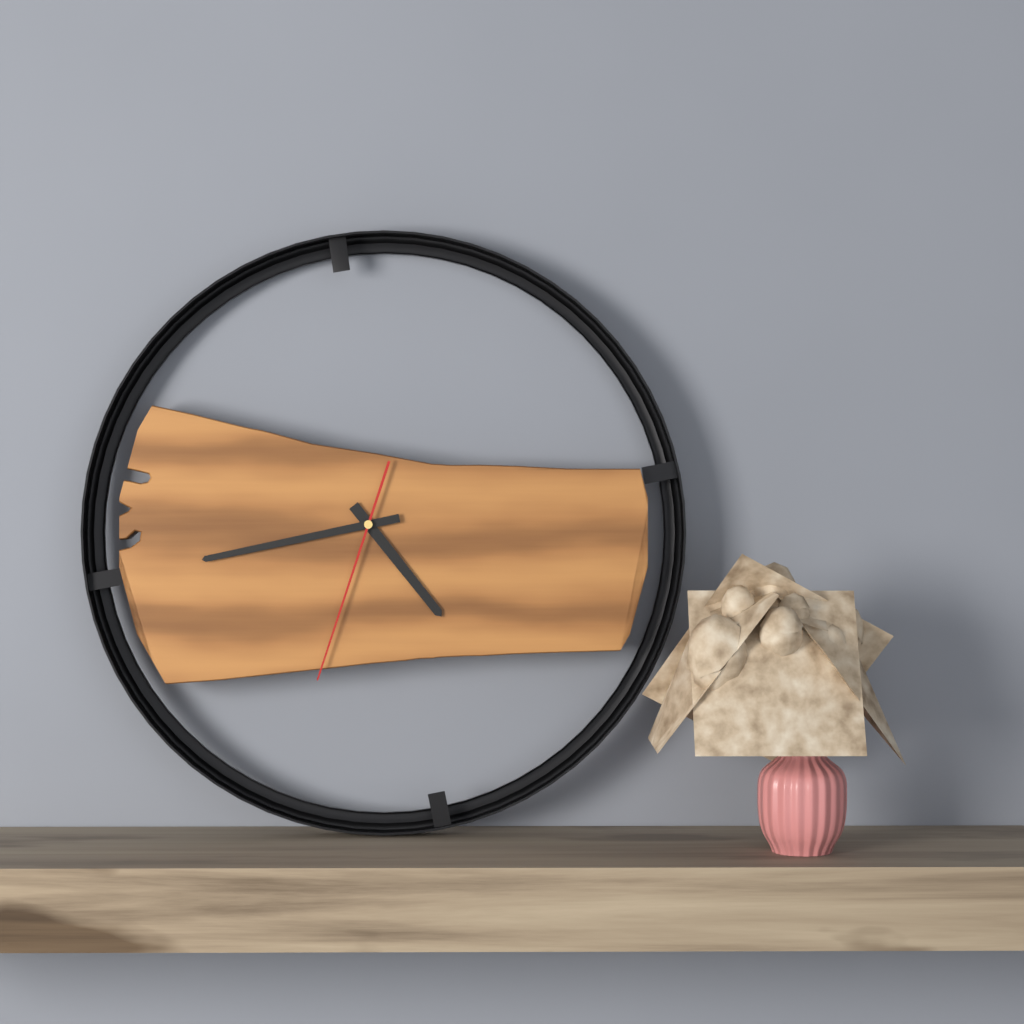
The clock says {"hour": 4, "minute": 43, "second": 33}
